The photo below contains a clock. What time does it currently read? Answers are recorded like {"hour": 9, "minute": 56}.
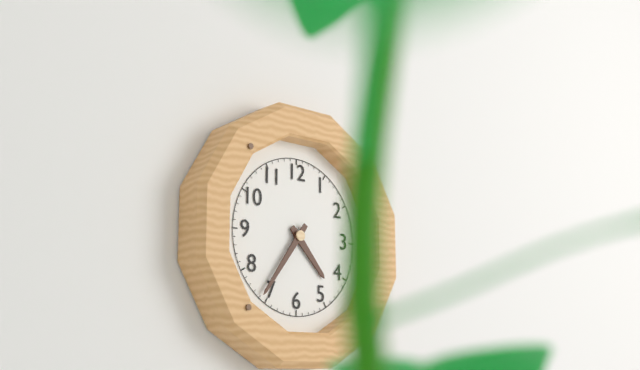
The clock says {"hour": 4, "minute": 36}
